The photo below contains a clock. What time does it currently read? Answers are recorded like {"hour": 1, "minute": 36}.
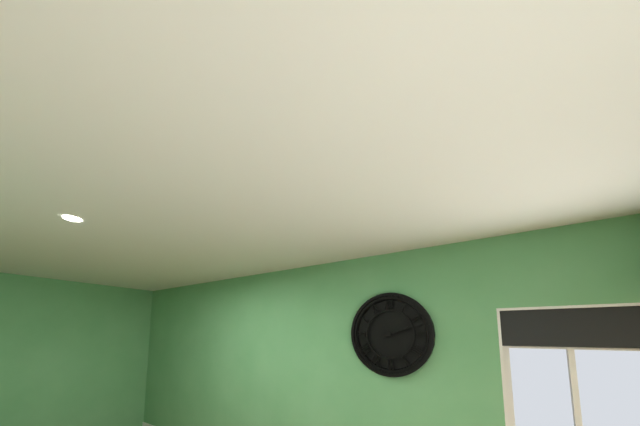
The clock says {"hour": 2, "minute": 12}
